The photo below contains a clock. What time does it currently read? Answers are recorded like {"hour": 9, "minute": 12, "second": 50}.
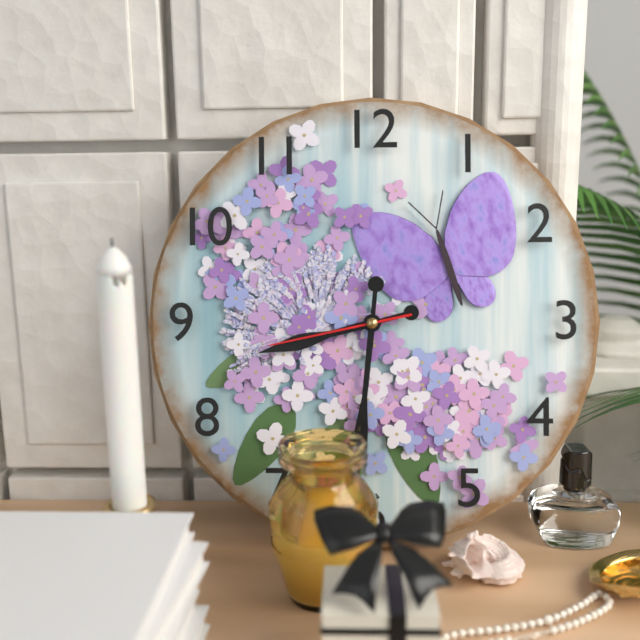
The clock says {"hour": 8, "minute": 31, "second": 43}
